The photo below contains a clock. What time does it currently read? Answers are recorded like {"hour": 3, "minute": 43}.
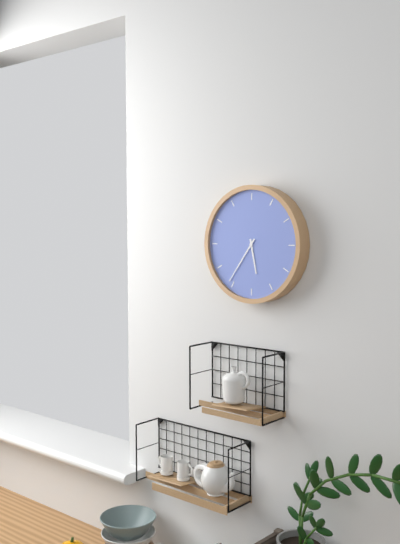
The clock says {"hour": 5, "minute": 36}
